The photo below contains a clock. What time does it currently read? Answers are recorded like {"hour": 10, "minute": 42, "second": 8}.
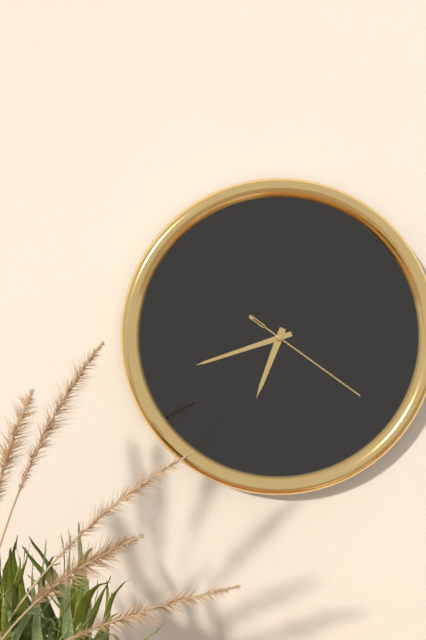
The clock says {"hour": 6, "minute": 42, "second": 21}
